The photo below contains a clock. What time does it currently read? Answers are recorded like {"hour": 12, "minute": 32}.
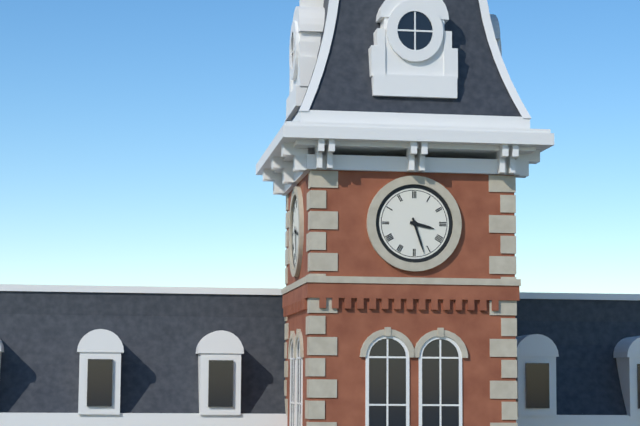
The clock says {"hour": 3, "minute": 27}
